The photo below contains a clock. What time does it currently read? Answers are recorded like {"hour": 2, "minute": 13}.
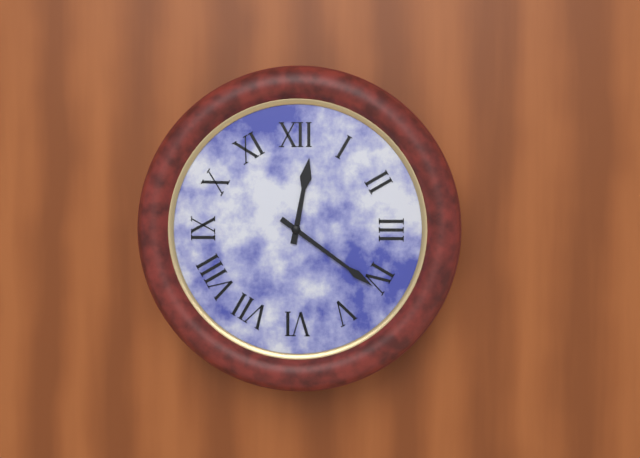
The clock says {"hour": 12, "minute": 21}
